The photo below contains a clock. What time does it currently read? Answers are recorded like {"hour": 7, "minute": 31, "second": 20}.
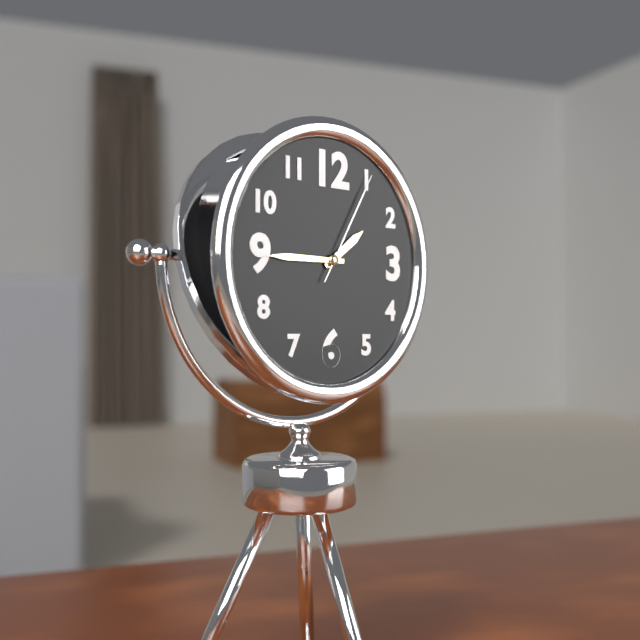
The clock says {"hour": 1, "minute": 45, "second": 5}
